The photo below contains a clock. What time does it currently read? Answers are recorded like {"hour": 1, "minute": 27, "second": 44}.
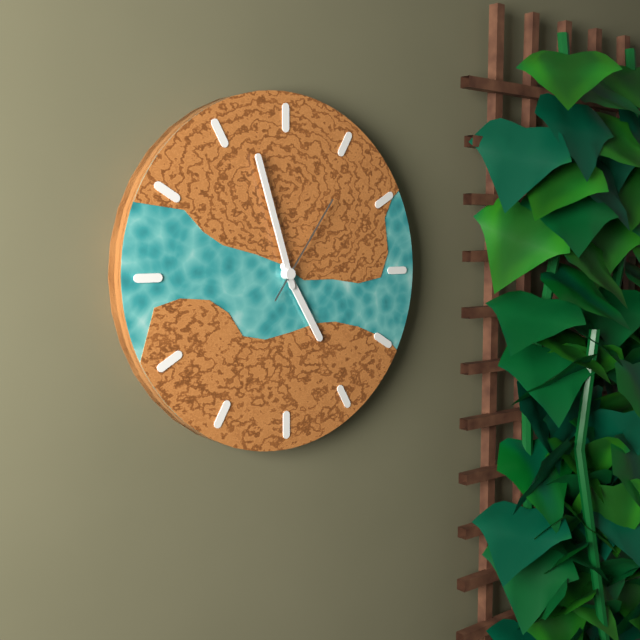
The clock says {"hour": 4, "minute": 57, "second": 6}
